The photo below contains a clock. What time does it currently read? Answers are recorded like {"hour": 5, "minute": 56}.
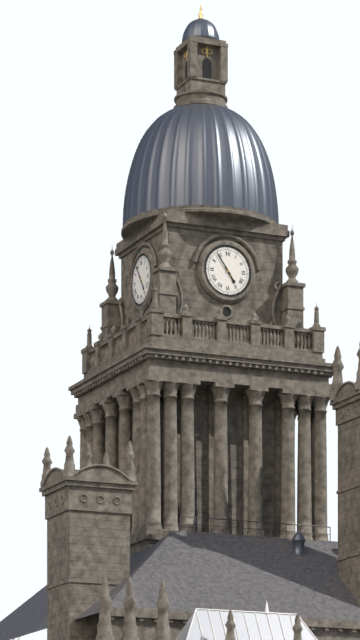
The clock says {"hour": 4, "minute": 54}
